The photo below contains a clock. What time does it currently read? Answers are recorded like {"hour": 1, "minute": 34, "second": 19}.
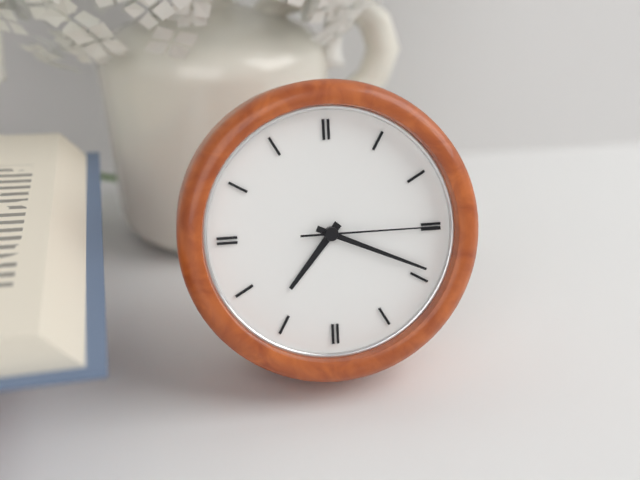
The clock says {"hour": 7, "minute": 19, "second": 15}
